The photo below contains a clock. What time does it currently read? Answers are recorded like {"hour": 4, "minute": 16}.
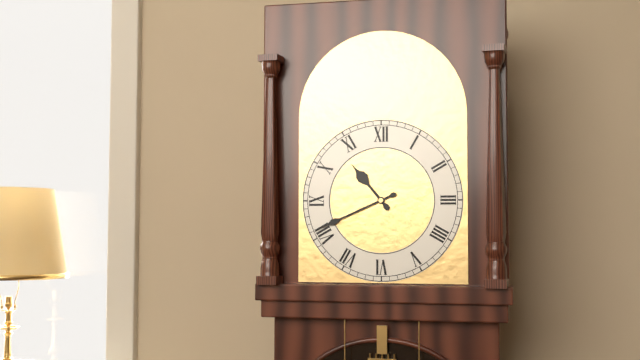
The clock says {"hour": 10, "minute": 41}
